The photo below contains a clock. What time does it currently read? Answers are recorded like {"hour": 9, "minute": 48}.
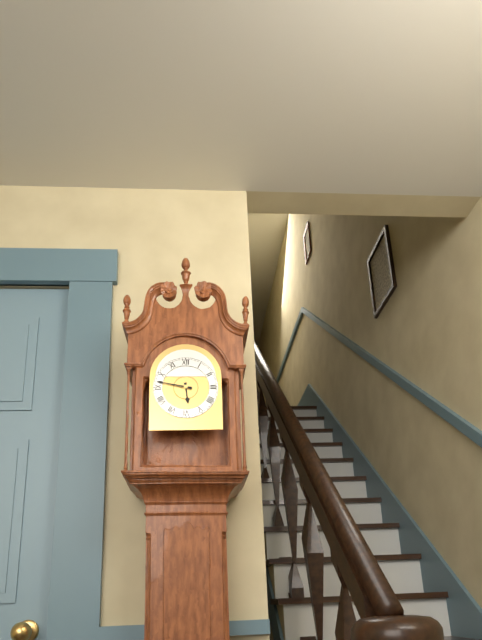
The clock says {"hour": 5, "minute": 47}
